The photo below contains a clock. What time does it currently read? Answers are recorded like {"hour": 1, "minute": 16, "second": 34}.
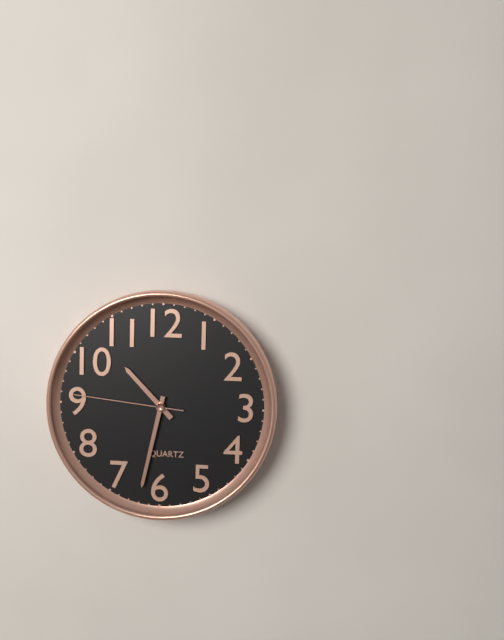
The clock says {"hour": 10, "minute": 32, "second": 46}
